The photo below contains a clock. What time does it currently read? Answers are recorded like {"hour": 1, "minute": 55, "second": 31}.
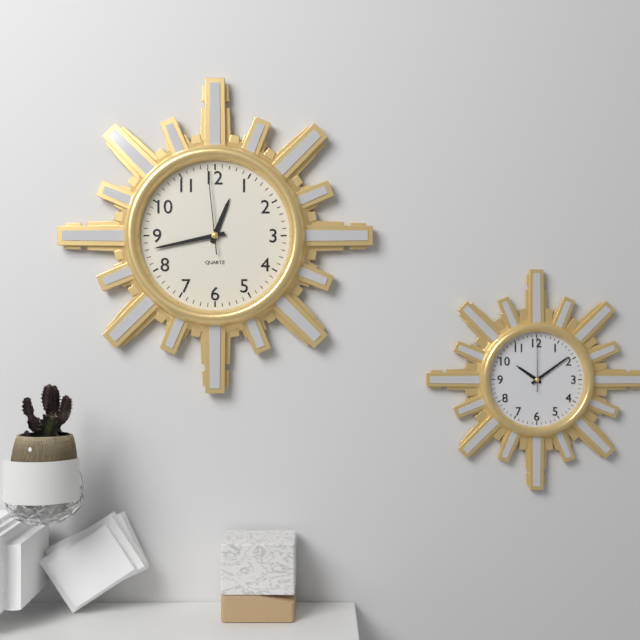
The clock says {"hour": 12, "minute": 43, "second": 59}
